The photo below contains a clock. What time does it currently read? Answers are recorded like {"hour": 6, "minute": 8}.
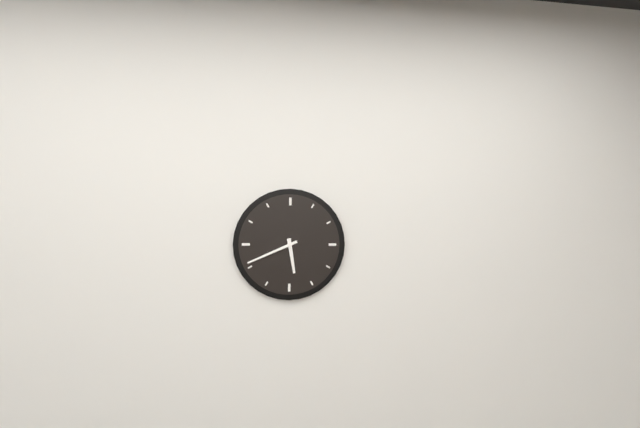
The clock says {"hour": 5, "minute": 41}
